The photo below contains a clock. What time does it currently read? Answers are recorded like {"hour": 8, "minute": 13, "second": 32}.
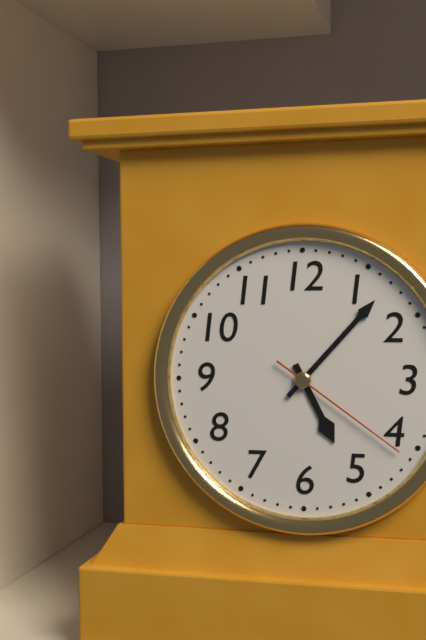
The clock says {"hour": 5, "minute": 7, "second": 21}
